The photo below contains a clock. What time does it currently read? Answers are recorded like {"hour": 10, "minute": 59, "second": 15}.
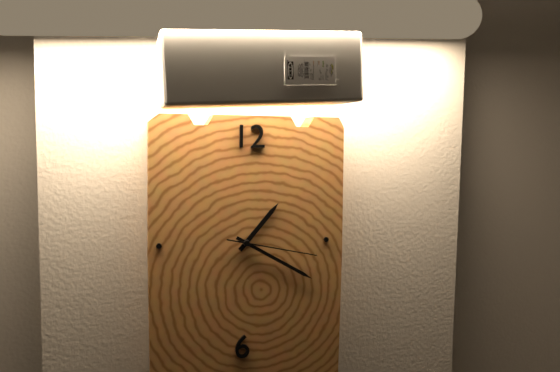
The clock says {"hour": 1, "minute": 20, "second": 17}
